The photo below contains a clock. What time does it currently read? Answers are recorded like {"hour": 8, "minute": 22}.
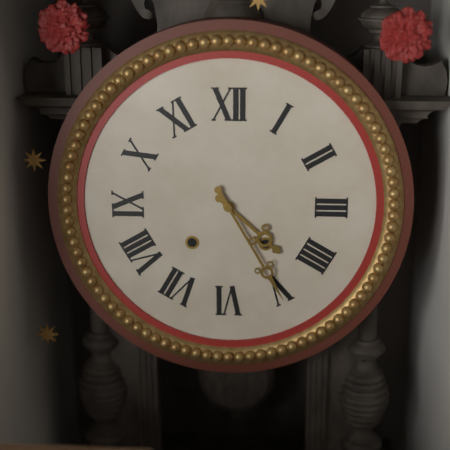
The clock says {"hour": 4, "minute": 25}
